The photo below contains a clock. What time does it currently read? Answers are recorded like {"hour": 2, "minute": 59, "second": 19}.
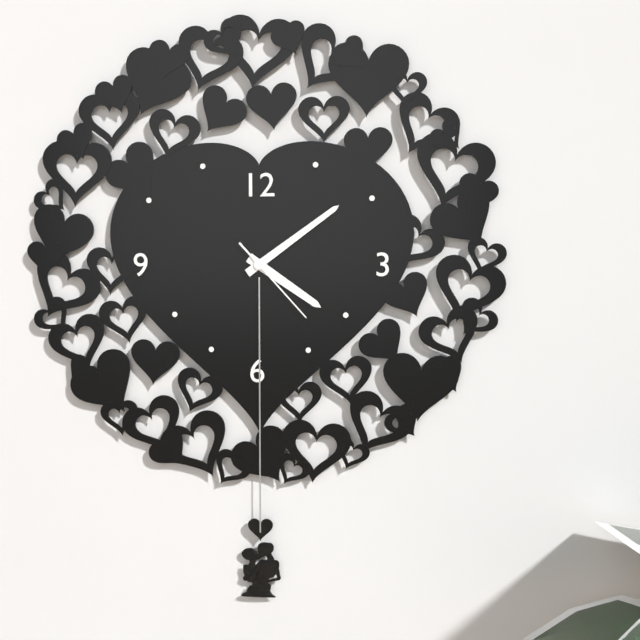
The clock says {"hour": 4, "minute": 9, "second": 23}
